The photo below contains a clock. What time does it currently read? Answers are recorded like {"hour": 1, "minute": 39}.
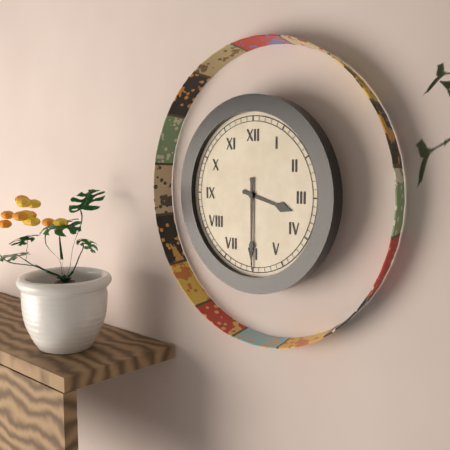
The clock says {"hour": 3, "minute": 30}
